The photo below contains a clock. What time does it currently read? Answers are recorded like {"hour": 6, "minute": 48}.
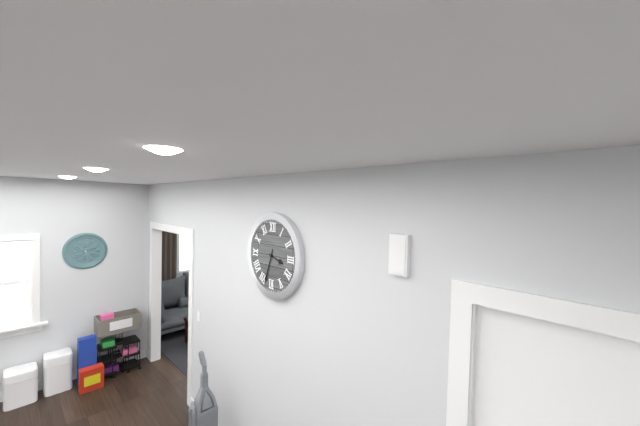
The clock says {"hour": 3, "minute": 33}
